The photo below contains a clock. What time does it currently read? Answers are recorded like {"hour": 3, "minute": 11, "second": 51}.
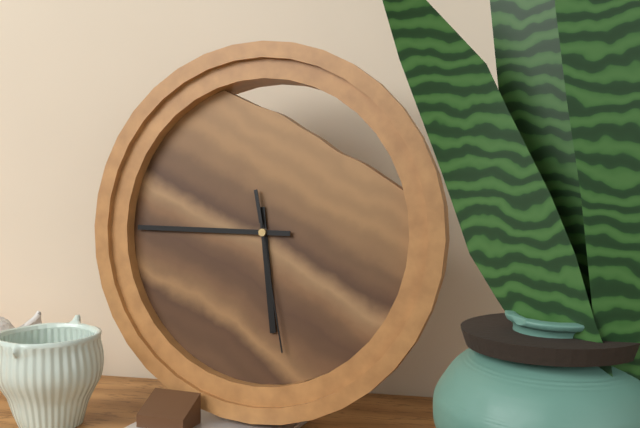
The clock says {"hour": 5, "minute": 45, "second": 28}
